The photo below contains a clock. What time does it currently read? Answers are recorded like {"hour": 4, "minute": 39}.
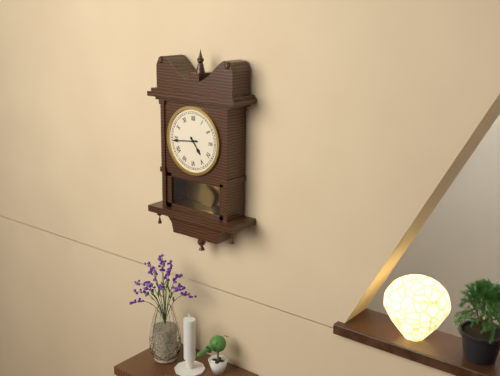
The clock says {"hour": 4, "minute": 44}
